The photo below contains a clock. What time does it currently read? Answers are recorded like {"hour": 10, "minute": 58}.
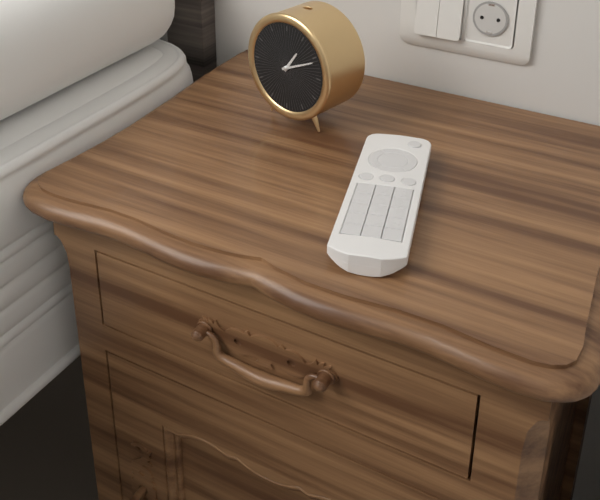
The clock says {"hour": 1, "minute": 11}
